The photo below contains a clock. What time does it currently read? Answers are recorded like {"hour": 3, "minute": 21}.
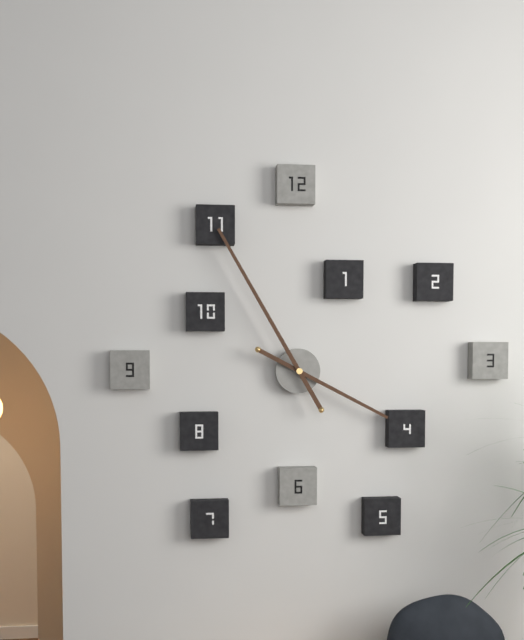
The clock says {"hour": 3, "minute": 55}
